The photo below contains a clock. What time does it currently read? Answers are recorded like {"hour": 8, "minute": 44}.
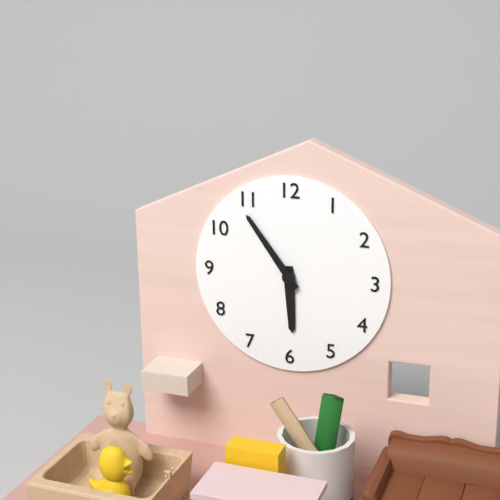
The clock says {"hour": 5, "minute": 54}
